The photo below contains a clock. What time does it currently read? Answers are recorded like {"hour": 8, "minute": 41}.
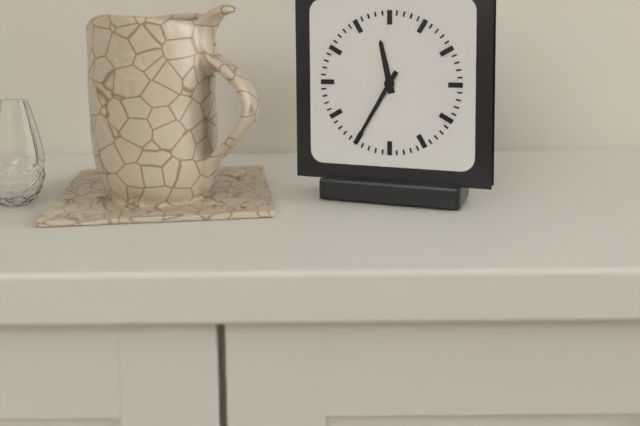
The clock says {"hour": 11, "minute": 35}
